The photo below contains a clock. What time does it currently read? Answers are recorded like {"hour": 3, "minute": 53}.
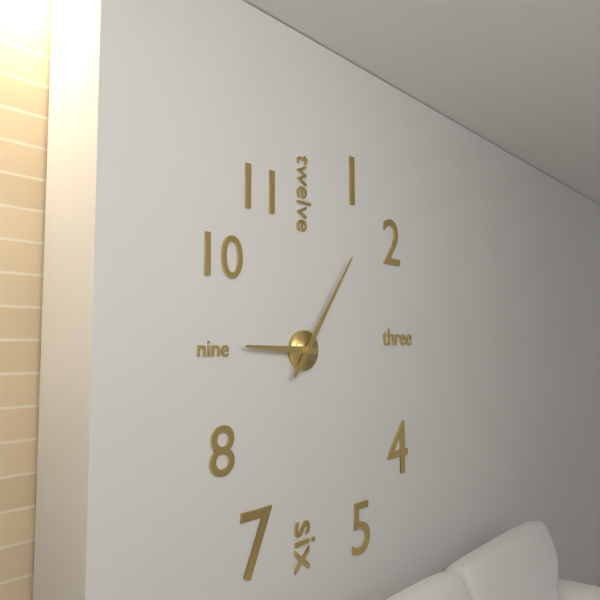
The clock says {"hour": 9, "minute": 6}
